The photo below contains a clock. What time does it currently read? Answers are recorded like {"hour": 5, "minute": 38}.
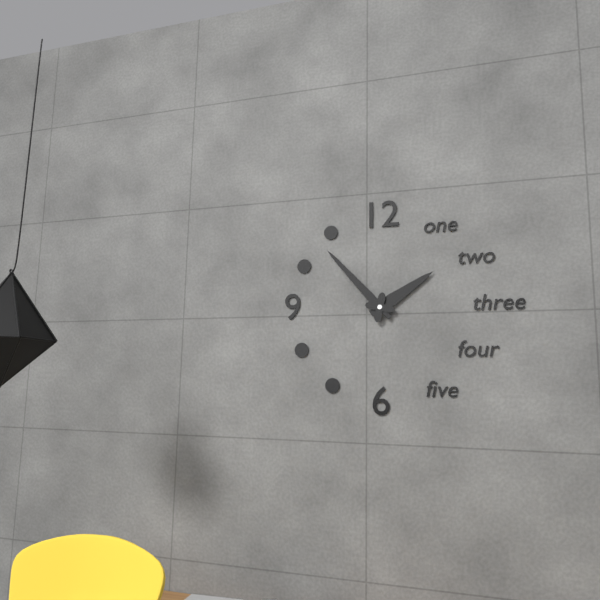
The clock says {"hour": 1, "minute": 53}
